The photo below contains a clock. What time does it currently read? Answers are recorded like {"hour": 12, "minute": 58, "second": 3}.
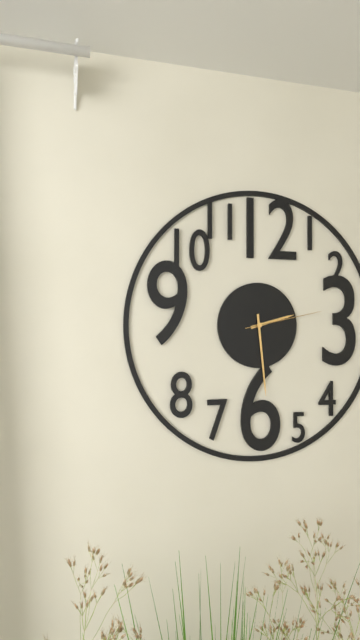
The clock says {"hour": 2, "minute": 29, "second": 13}
